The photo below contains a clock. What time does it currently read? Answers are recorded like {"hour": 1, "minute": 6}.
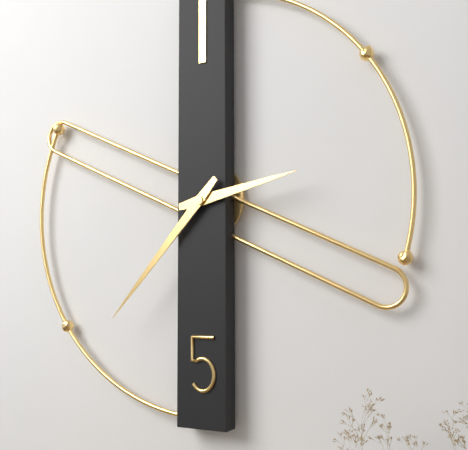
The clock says {"hour": 2, "minute": 37}
